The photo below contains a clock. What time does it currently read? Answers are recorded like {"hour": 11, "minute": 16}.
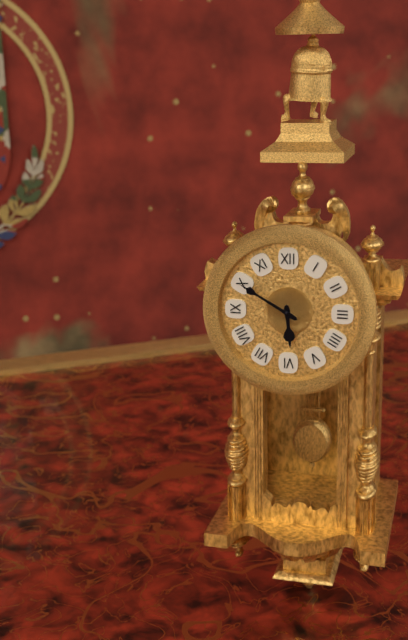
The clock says {"hour": 5, "minute": 50}
